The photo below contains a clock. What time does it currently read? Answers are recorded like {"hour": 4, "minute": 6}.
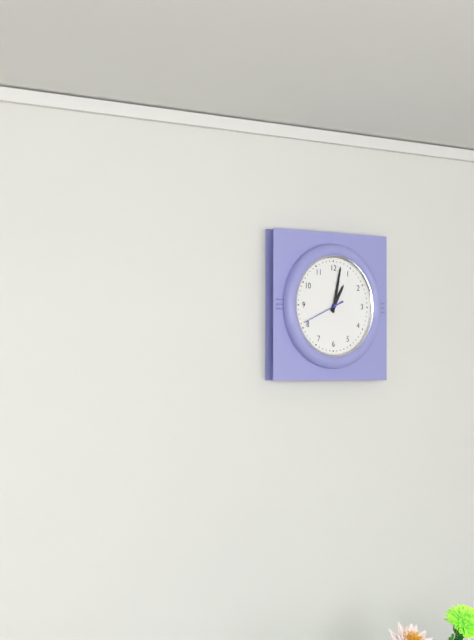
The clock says {"hour": 1, "minute": 2}
